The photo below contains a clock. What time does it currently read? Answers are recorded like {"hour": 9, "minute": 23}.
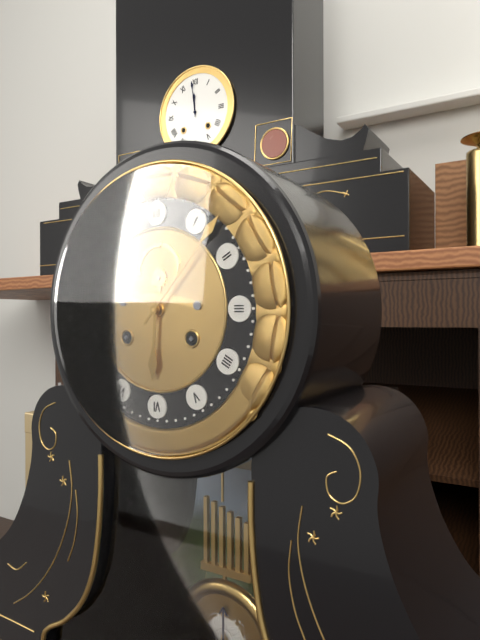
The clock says {"hour": 6, "minute": 7}
